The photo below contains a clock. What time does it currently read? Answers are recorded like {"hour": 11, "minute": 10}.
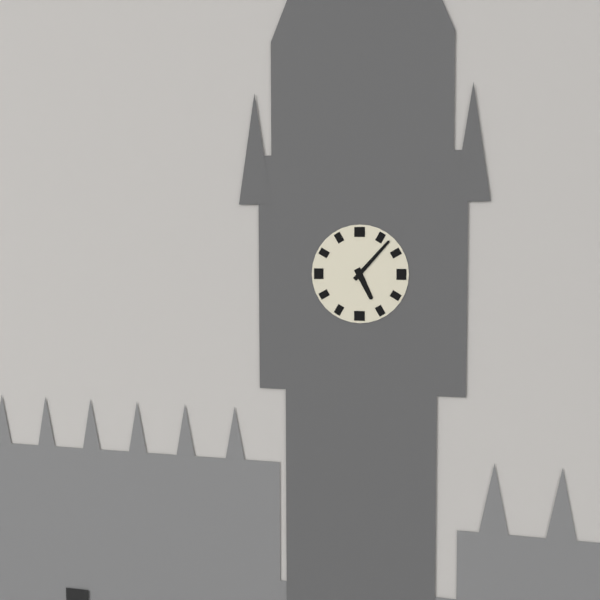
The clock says {"hour": 5, "minute": 7}
